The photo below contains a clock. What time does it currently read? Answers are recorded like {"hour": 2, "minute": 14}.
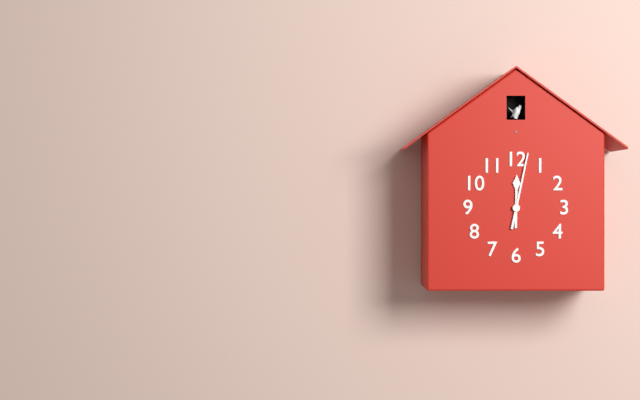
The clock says {"hour": 12, "minute": 2}
